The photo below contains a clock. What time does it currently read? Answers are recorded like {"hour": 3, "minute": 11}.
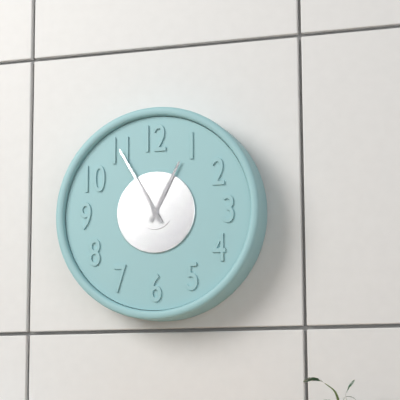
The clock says {"hour": 12, "minute": 55}
